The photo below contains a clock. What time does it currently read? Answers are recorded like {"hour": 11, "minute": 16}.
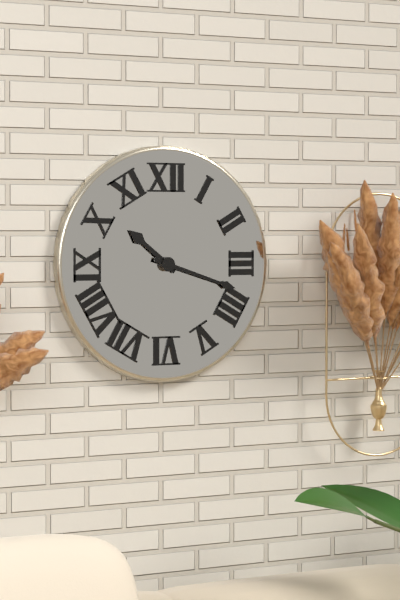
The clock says {"hour": 10, "minute": 18}
